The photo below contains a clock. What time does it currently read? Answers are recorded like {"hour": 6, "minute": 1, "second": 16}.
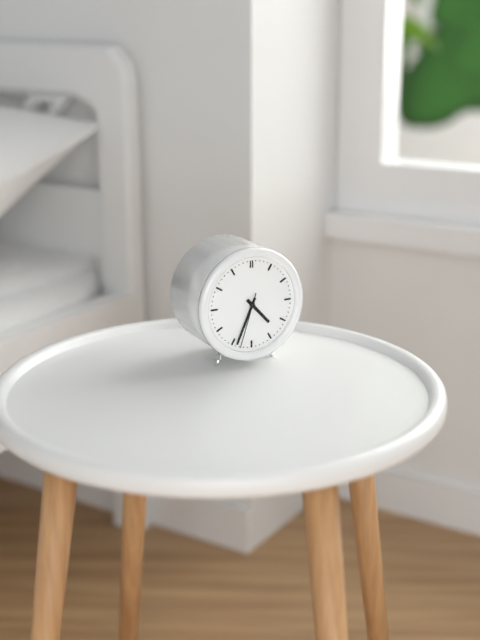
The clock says {"hour": 4, "minute": 34, "second": 33}
